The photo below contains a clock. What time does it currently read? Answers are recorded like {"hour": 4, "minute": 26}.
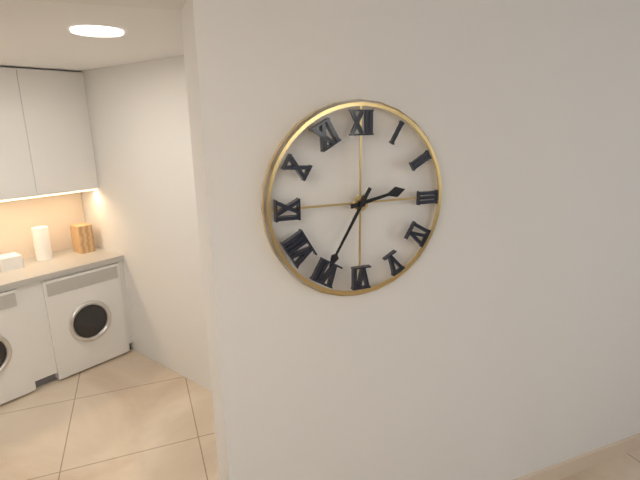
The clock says {"hour": 2, "minute": 35}
